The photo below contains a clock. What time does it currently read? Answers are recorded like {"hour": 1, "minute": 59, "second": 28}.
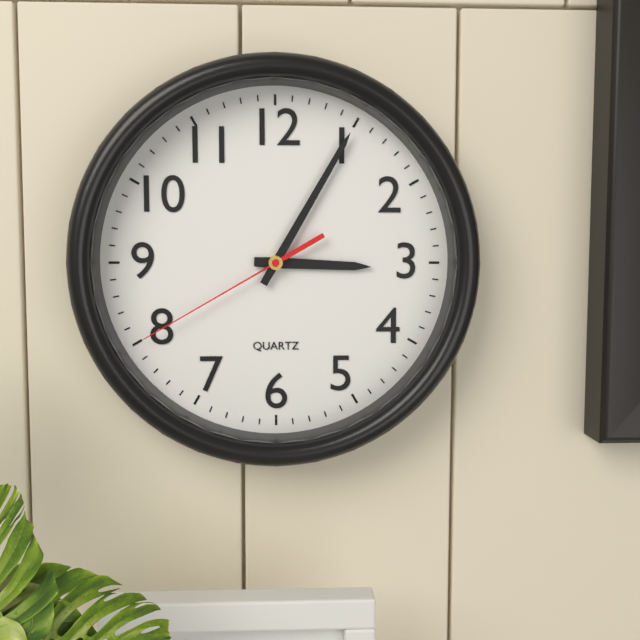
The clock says {"hour": 3, "minute": 5, "second": 40}
